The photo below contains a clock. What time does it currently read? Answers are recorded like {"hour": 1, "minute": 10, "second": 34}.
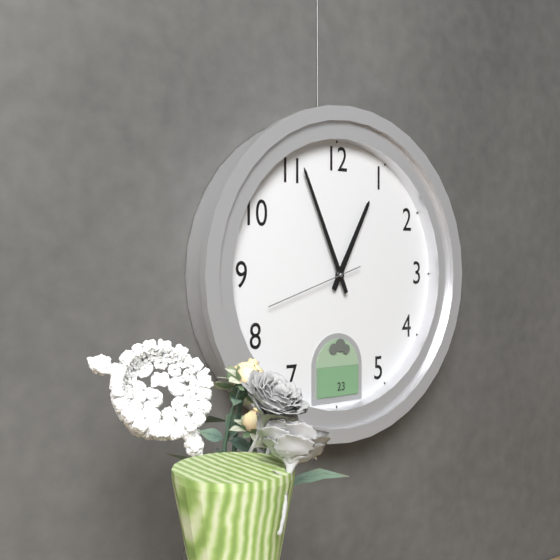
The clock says {"hour": 12, "minute": 56, "second": 42}
